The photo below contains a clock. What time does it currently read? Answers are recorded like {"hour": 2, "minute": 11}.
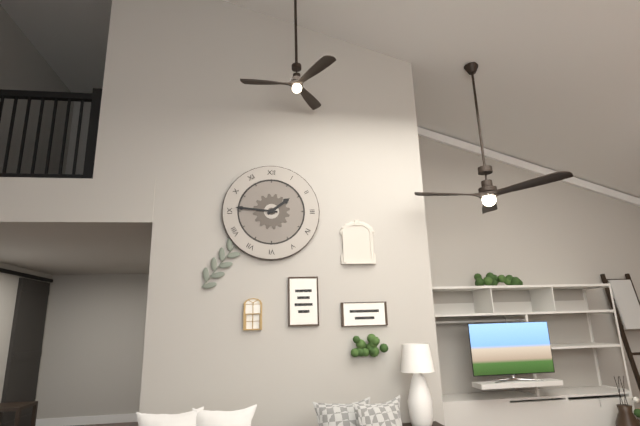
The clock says {"hour": 1, "minute": 46}
